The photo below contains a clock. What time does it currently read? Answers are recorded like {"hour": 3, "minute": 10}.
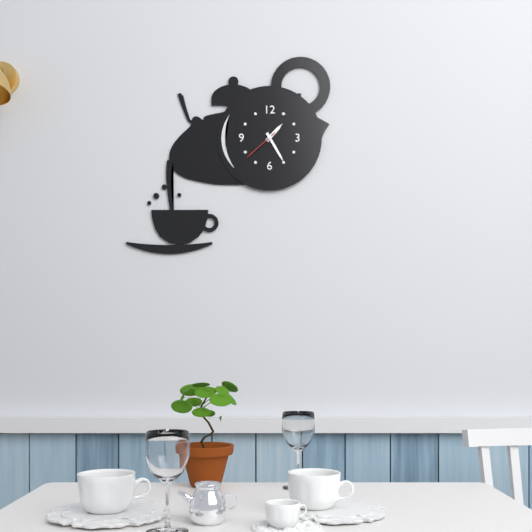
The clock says {"hour": 1, "minute": 25}
